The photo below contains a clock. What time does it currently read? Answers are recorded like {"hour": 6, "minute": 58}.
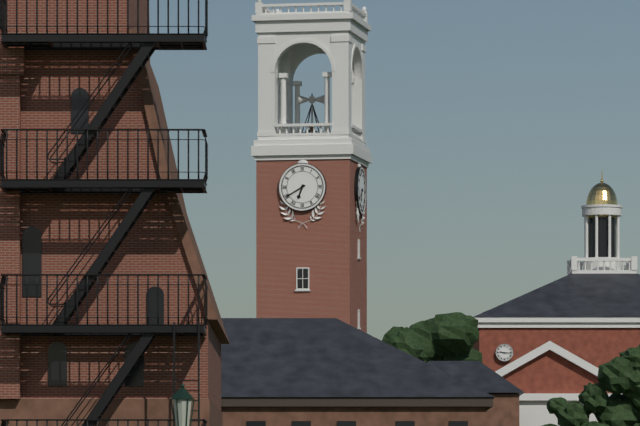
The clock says {"hour": 6, "minute": 40}
